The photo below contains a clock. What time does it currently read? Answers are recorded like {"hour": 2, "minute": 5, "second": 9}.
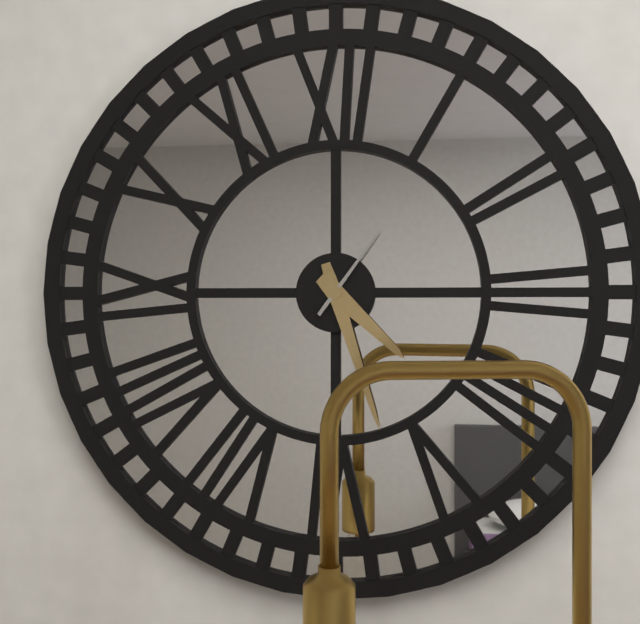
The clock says {"hour": 4, "minute": 27, "second": 6}
